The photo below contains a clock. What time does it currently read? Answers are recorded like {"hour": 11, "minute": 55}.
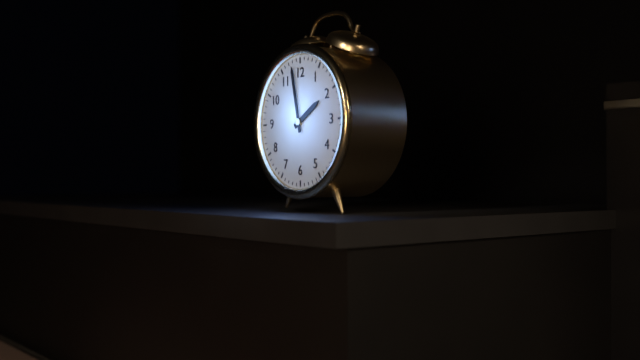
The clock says {"hour": 1, "minute": 58}
